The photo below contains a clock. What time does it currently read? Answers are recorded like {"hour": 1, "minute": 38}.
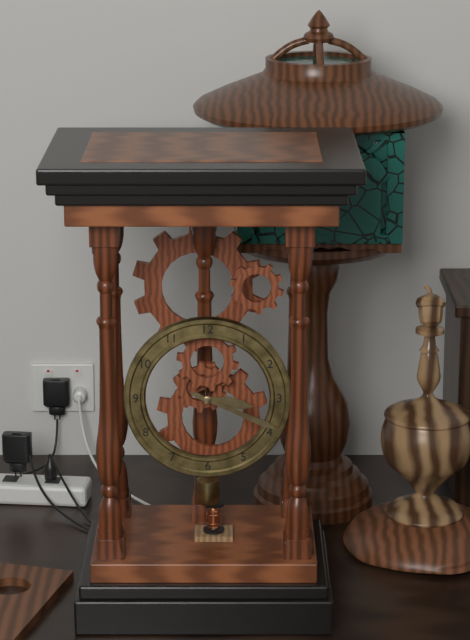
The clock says {"hour": 3, "minute": 19}
